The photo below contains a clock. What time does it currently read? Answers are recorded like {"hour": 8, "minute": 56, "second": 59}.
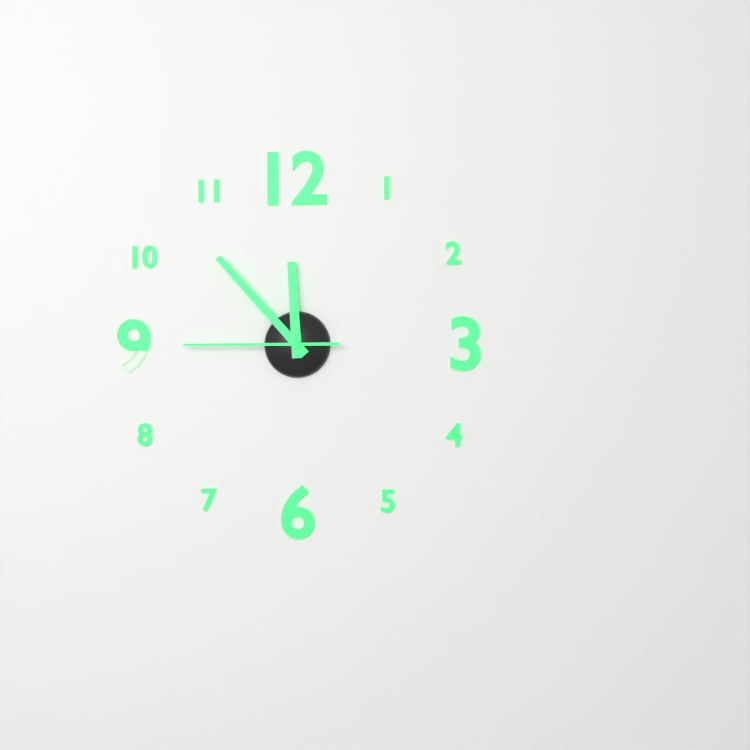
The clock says {"hour": 11, "minute": 53, "second": 45}
